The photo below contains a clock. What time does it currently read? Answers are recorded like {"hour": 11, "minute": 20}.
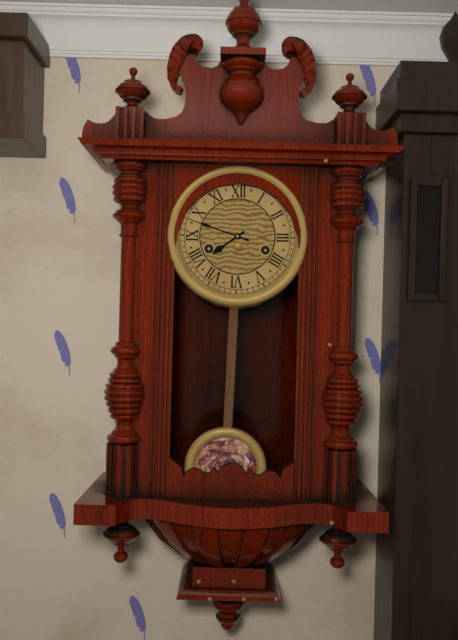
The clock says {"hour": 7, "minute": 48}
